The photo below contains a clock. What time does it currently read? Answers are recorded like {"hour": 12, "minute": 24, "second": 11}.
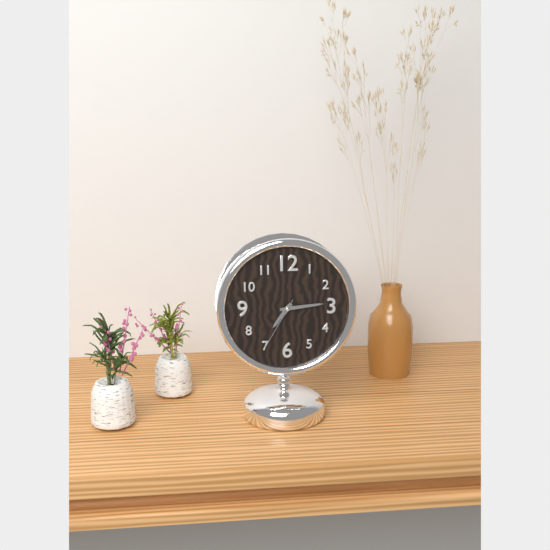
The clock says {"hour": 7, "minute": 14, "second": 35}
